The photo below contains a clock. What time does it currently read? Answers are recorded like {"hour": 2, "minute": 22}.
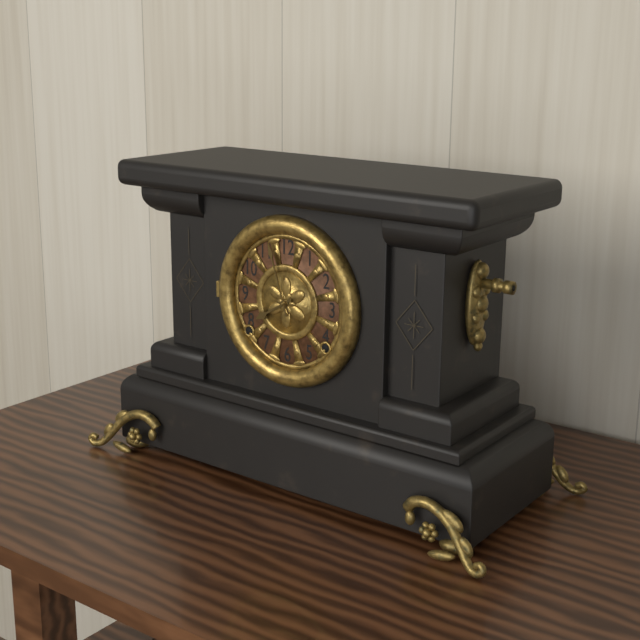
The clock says {"hour": 7, "minute": 57}
